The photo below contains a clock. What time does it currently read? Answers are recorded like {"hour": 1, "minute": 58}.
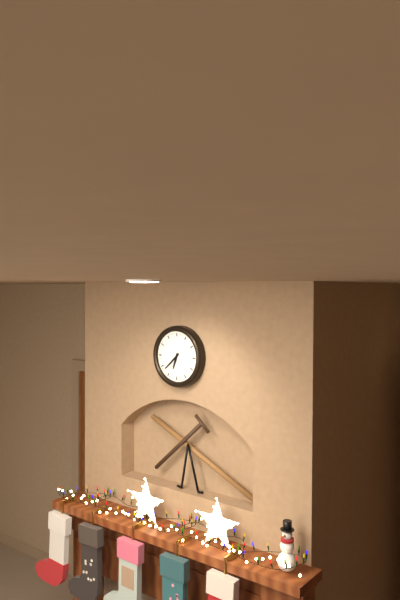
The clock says {"hour": 6, "minute": 38}
